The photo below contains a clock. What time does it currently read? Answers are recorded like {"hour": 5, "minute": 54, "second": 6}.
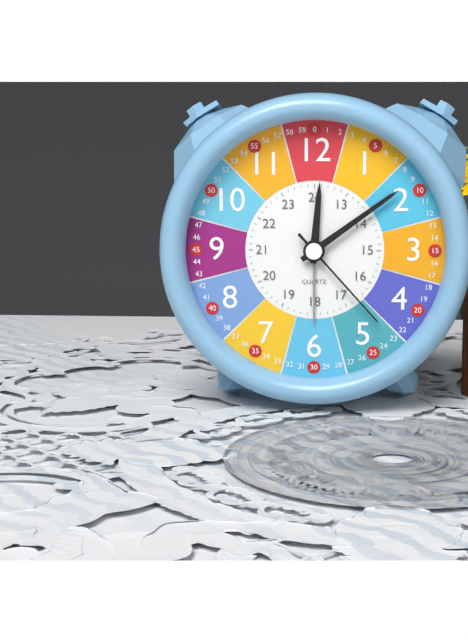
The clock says {"hour": 12, "minute": 9, "second": 23}
